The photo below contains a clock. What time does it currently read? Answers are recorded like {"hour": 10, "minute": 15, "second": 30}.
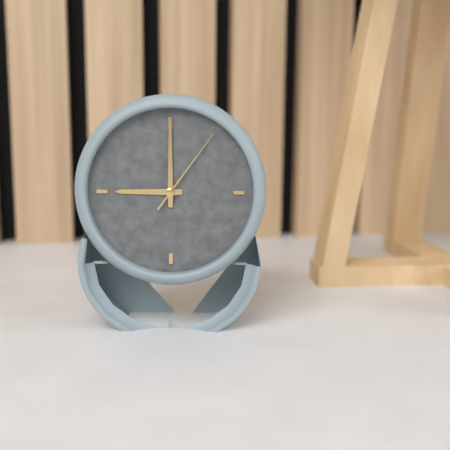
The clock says {"hour": 9, "minute": 0, "second": 6}
